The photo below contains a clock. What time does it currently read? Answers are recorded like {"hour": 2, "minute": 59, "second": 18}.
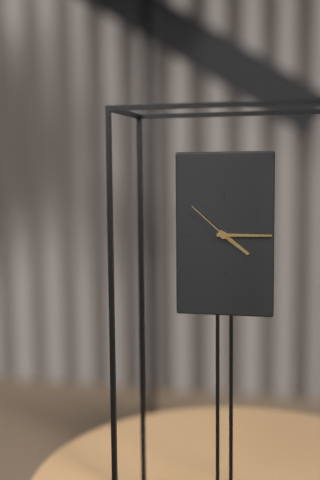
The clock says {"hour": 4, "minute": 15, "second": 52}
